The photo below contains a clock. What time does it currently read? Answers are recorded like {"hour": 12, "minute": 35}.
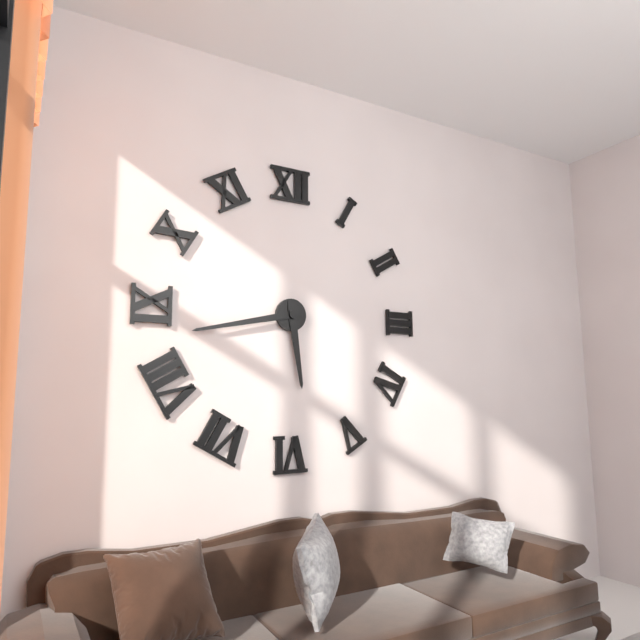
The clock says {"hour": 5, "minute": 43}
